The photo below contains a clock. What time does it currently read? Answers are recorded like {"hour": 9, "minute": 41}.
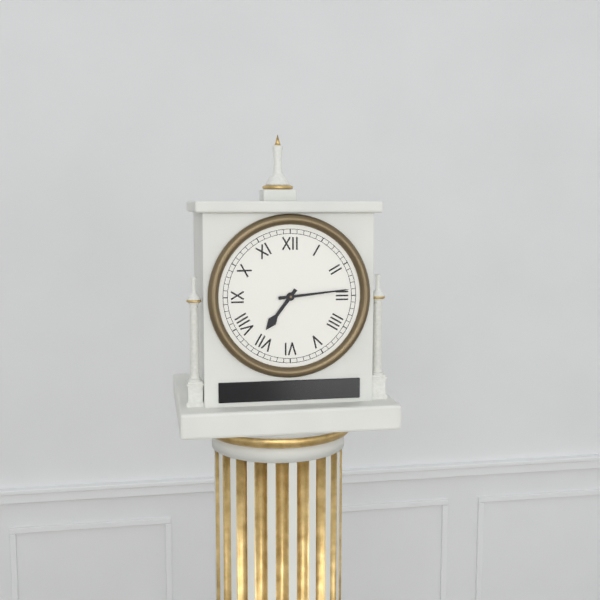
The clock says {"hour": 7, "minute": 14}
